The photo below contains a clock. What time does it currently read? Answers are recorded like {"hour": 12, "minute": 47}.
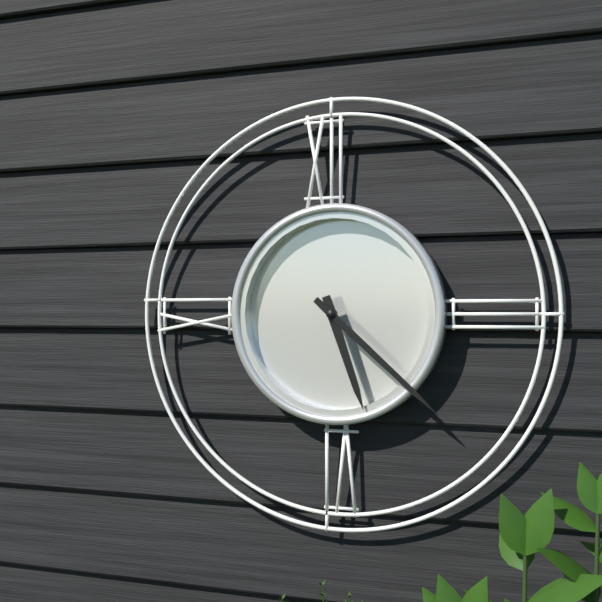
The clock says {"hour": 5, "minute": 22}
